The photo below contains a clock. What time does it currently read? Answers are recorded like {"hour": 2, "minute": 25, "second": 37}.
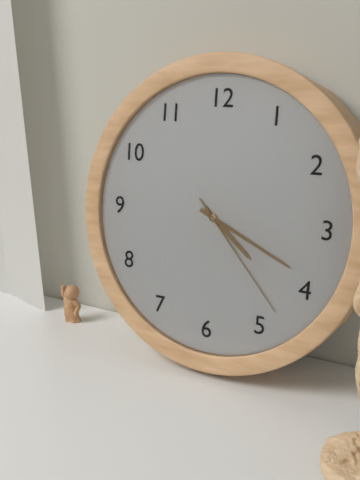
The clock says {"hour": 4, "minute": 19, "second": 23}
